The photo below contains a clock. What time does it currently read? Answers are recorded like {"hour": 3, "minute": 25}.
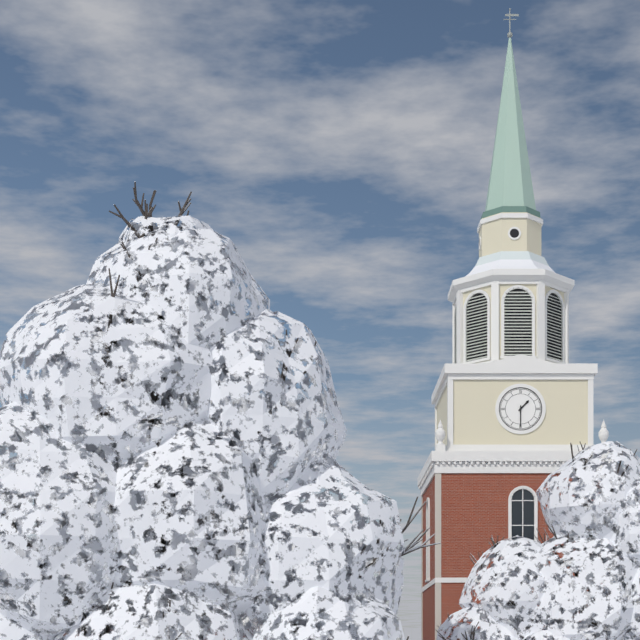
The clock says {"hour": 1, "minute": 30}
